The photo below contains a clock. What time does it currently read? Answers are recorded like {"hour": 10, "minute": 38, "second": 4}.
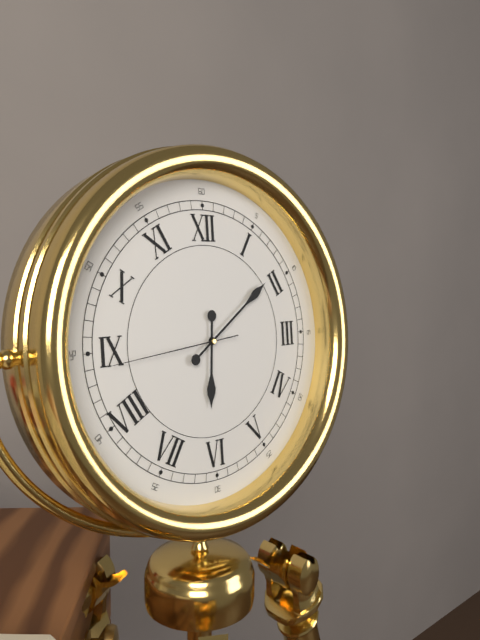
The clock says {"hour": 6, "minute": 9, "second": 44}
